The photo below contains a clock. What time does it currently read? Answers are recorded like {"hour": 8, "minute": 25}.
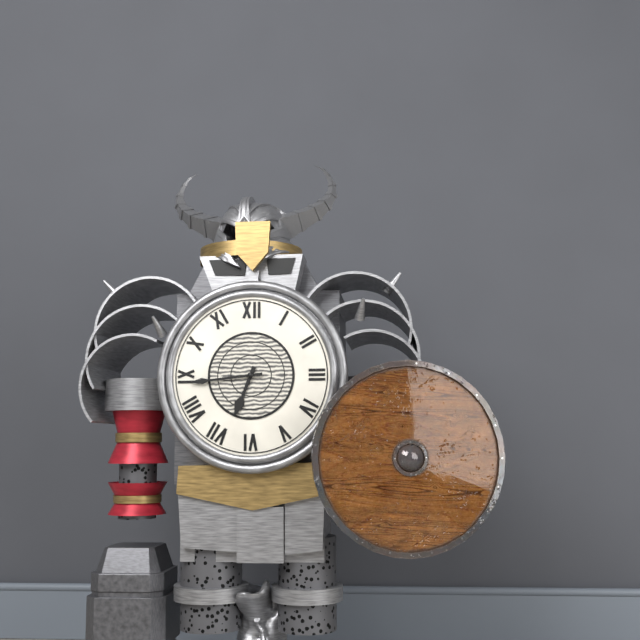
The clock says {"hour": 6, "minute": 44}
